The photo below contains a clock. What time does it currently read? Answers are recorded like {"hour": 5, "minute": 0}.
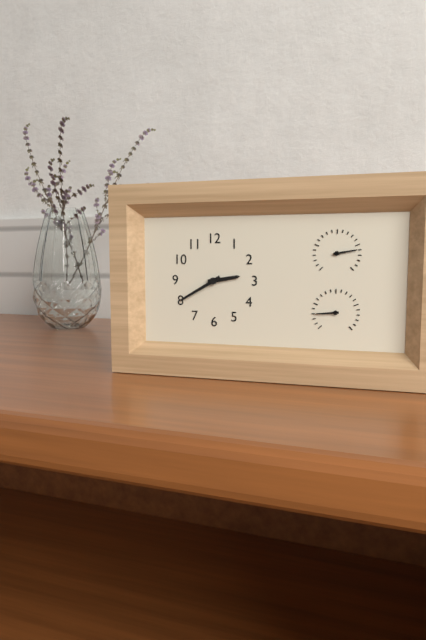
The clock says {"hour": 2, "minute": 40}
